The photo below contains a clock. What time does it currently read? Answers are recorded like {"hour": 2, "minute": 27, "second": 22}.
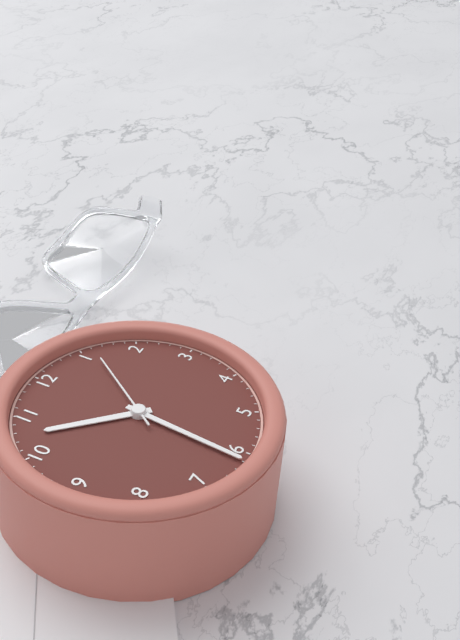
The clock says {"hour": 10, "minute": 31, "second": 6}
